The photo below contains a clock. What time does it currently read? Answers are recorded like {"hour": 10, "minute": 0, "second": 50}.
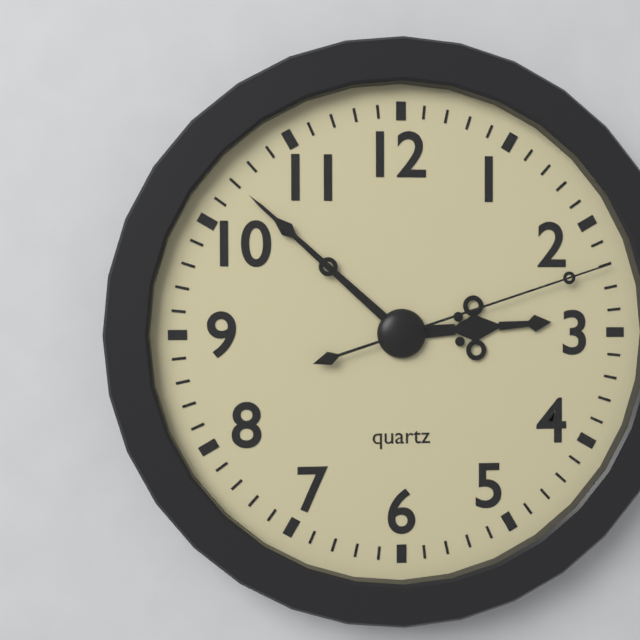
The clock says {"hour": 2, "minute": 52, "second": 12}
